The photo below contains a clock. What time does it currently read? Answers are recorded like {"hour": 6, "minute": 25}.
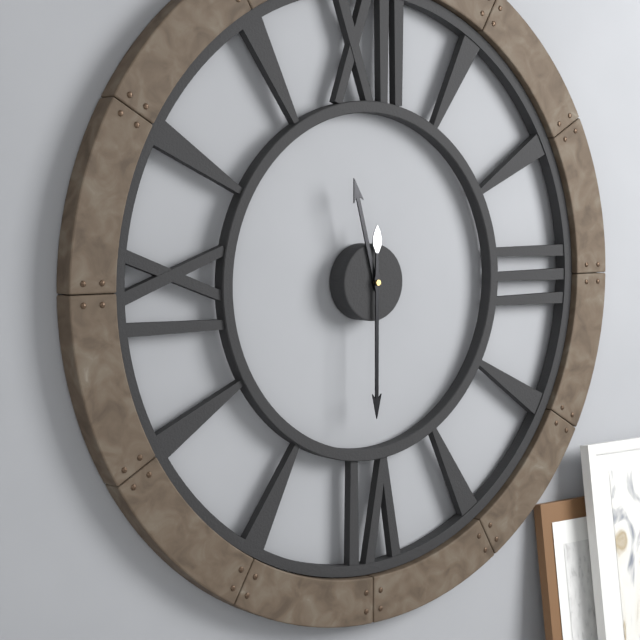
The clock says {"hour": 11, "minute": 30}
